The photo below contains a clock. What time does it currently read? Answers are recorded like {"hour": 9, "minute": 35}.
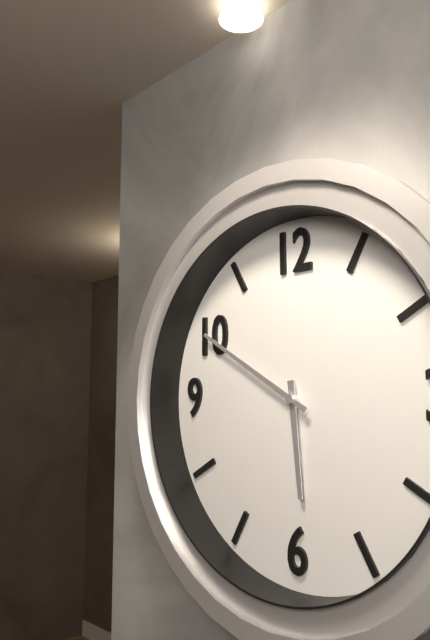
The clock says {"hour": 5, "minute": 50}
